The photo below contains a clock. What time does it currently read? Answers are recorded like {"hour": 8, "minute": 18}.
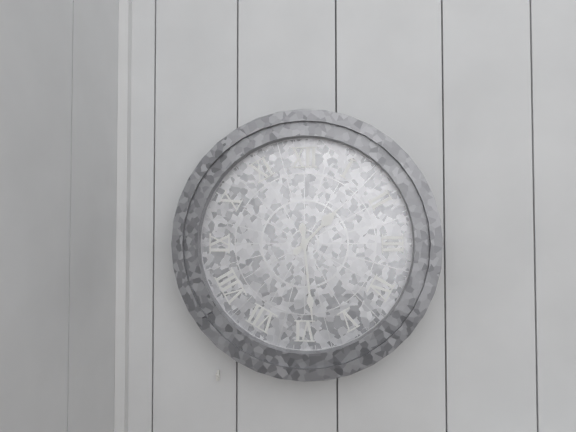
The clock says {"hour": 1, "minute": 29}
